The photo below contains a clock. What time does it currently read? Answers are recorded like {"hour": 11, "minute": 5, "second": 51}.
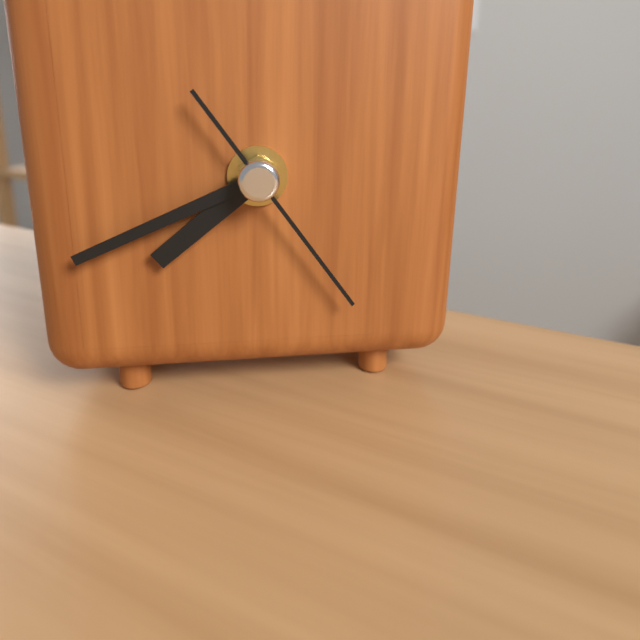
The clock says {"hour": 7, "minute": 41, "second": 24}
